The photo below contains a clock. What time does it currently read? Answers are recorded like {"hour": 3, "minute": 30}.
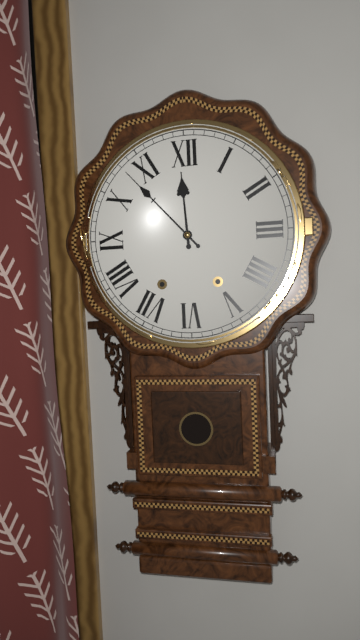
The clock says {"hour": 11, "minute": 53}
